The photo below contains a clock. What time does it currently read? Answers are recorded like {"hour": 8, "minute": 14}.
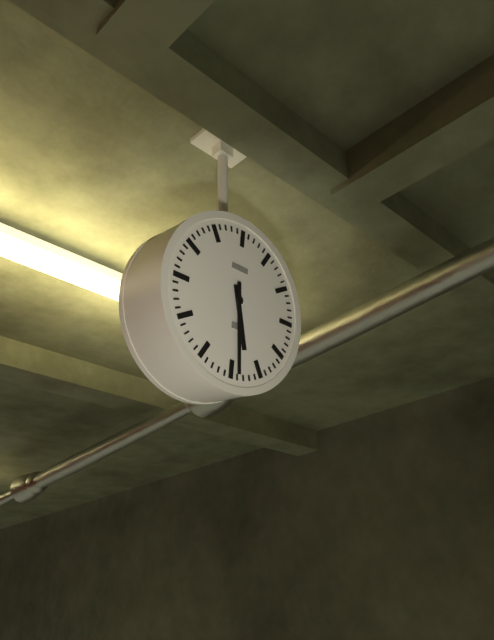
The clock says {"hour": 5, "minute": 29}
